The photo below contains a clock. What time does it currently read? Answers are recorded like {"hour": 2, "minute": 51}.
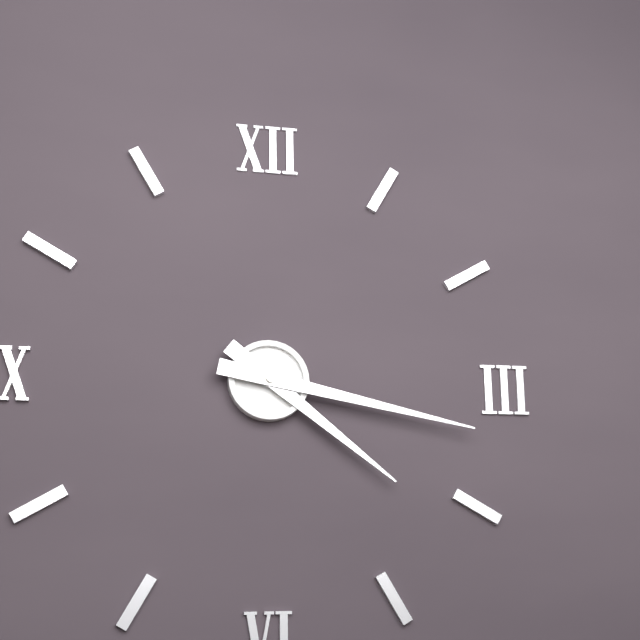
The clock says {"hour": 4, "minute": 17}
